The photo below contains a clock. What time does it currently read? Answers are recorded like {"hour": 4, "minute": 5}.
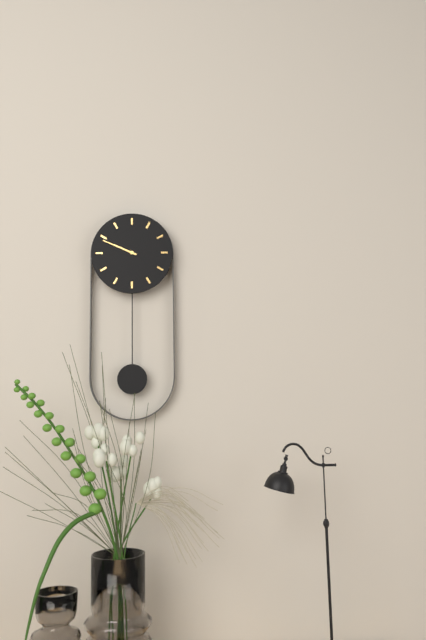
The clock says {"hour": 9, "minute": 49}
